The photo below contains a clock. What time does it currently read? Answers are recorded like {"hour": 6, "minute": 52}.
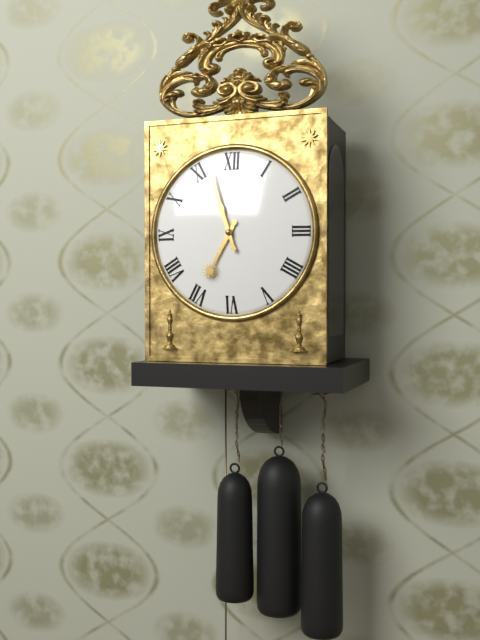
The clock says {"hour": 6, "minute": 57}
